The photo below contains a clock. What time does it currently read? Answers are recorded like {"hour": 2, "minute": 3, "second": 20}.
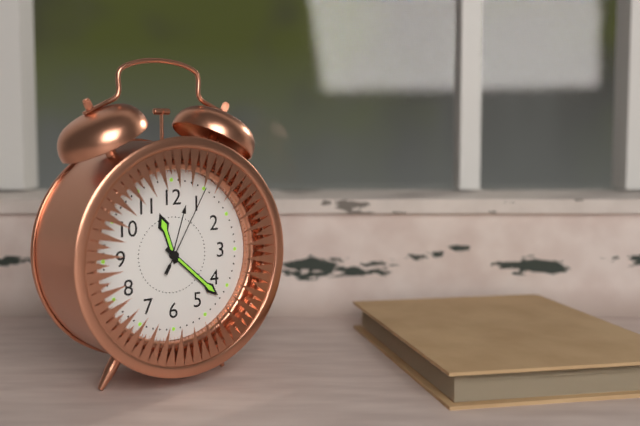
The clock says {"hour": 11, "minute": 22, "second": 5}
